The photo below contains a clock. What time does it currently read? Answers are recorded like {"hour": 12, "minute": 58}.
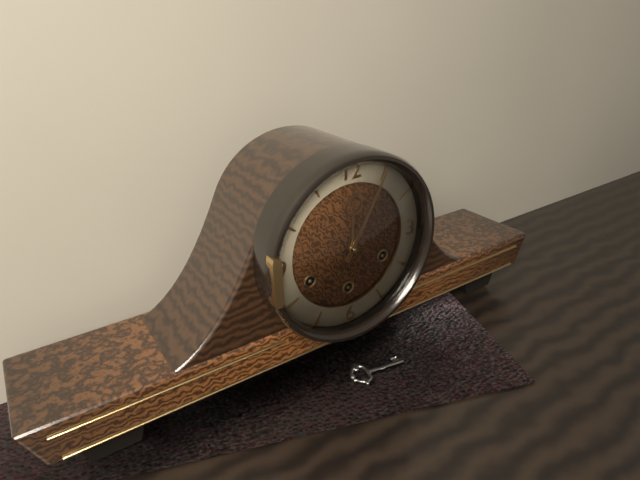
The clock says {"hour": 12, "minute": 5}
